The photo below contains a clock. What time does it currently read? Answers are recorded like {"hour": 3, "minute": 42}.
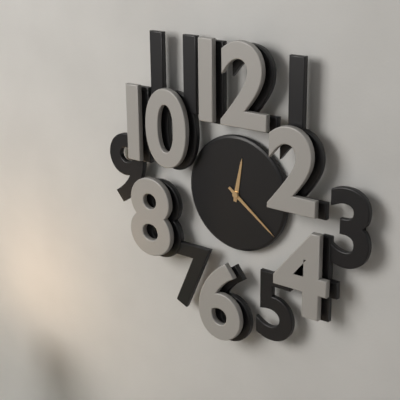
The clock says {"hour": 12, "minute": 21}
